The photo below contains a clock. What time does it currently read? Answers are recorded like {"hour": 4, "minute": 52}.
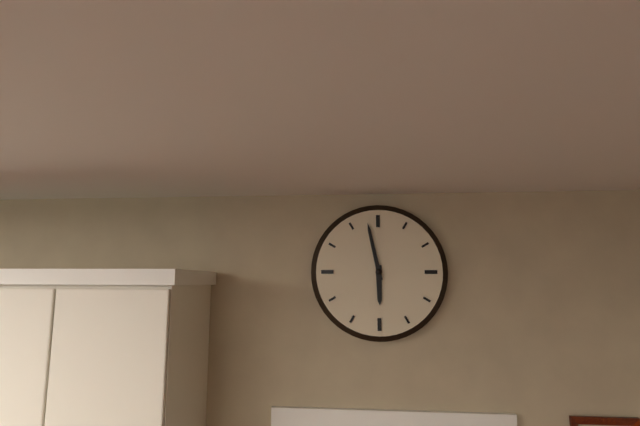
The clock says {"hour": 5, "minute": 58}
